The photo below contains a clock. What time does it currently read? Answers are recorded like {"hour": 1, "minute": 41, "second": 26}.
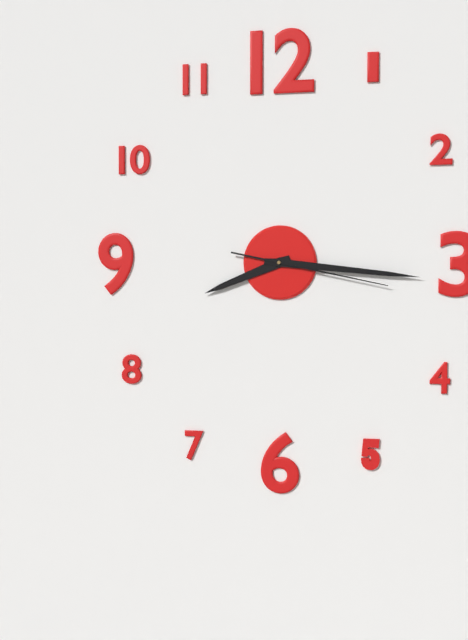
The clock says {"hour": 8, "minute": 16, "second": 17}
